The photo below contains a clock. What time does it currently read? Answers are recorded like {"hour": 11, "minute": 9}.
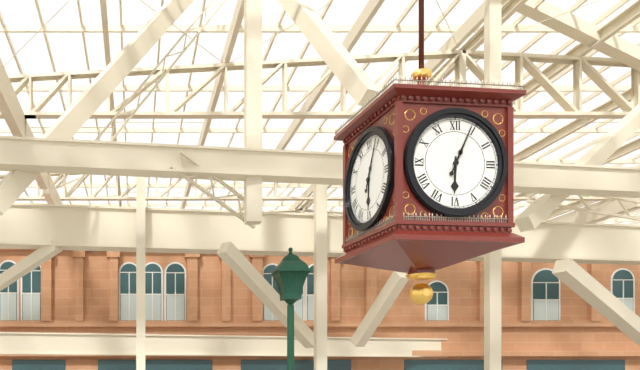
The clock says {"hour": 6, "minute": 4}
